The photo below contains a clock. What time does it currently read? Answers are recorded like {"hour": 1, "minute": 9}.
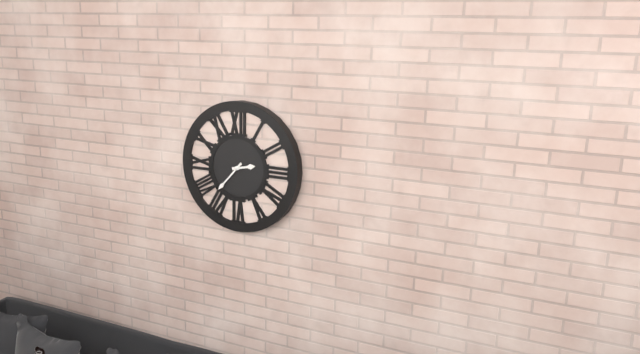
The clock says {"hour": 2, "minute": 37}
